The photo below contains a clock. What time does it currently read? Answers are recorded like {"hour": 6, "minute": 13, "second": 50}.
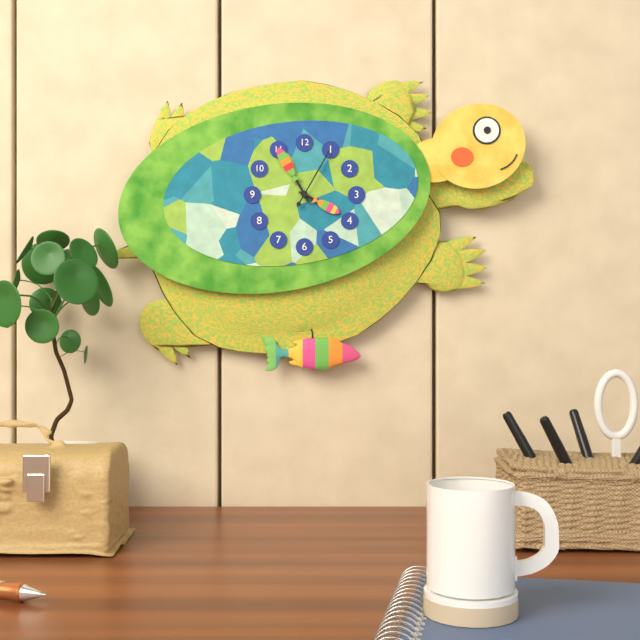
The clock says {"hour": 3, "minute": 55, "second": 5}
